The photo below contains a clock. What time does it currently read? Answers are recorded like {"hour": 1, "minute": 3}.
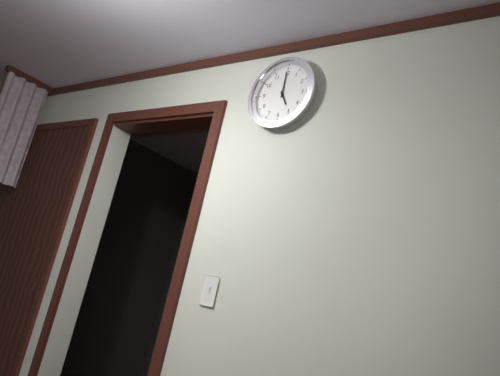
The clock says {"hour": 5, "minute": 0}
